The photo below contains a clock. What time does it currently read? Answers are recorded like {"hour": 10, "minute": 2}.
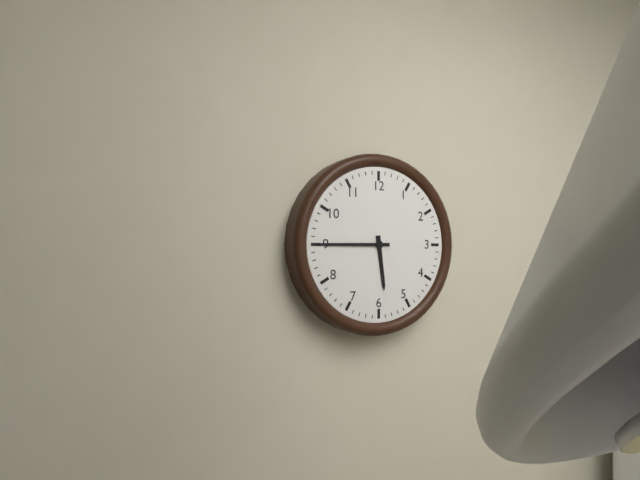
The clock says {"hour": 5, "minute": 45}
